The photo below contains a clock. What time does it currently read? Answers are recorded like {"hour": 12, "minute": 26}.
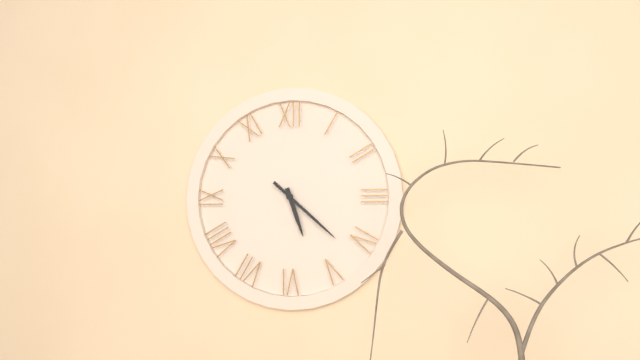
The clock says {"hour": 5, "minute": 22}
